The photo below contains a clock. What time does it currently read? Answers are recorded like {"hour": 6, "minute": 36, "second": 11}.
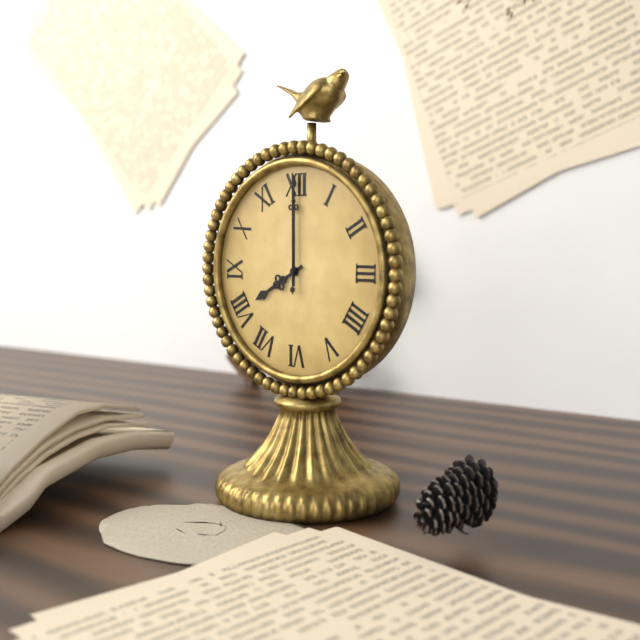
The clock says {"hour": 8, "minute": 0, "second": 0}
